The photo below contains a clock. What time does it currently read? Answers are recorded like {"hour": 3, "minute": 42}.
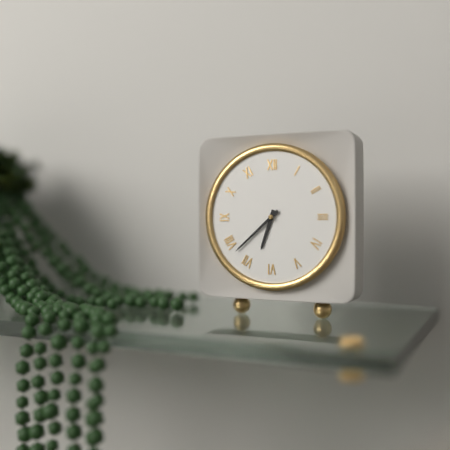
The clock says {"hour": 6, "minute": 38}
